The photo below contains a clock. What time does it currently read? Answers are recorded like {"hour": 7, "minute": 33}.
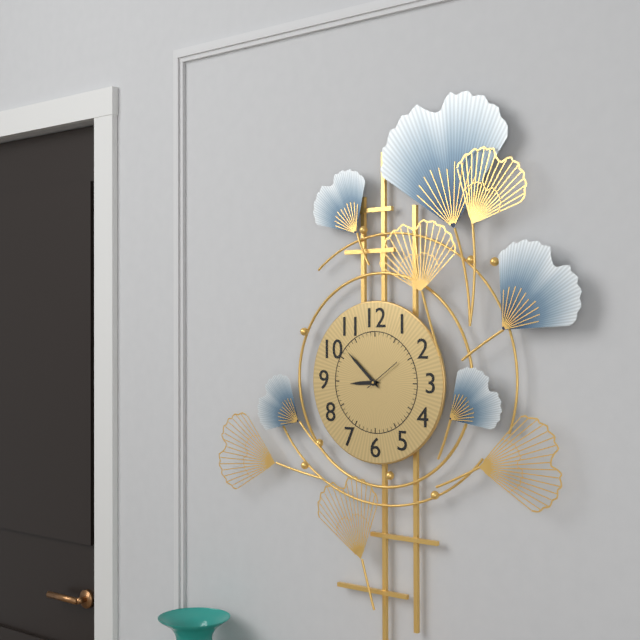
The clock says {"hour": 8, "minute": 52}
